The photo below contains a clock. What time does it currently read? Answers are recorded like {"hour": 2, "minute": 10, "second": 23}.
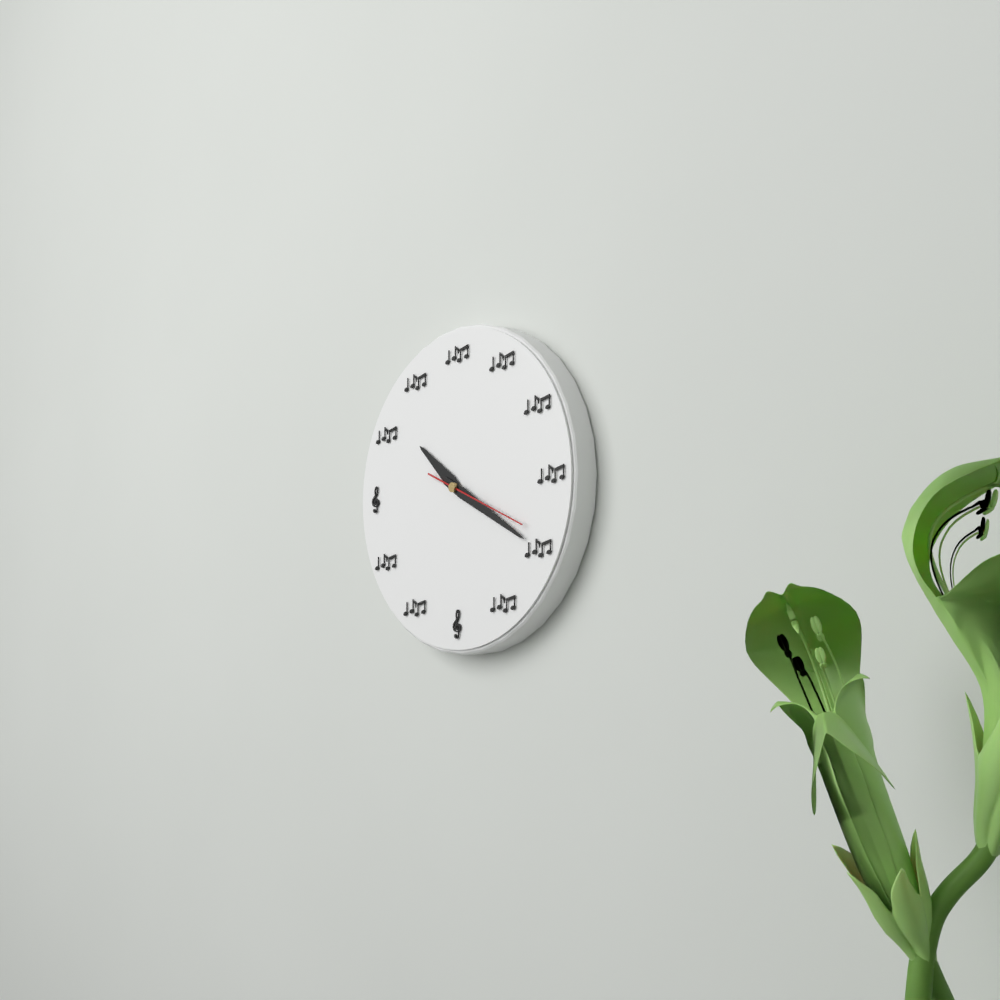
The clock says {"hour": 10, "minute": 20, "second": 19}
